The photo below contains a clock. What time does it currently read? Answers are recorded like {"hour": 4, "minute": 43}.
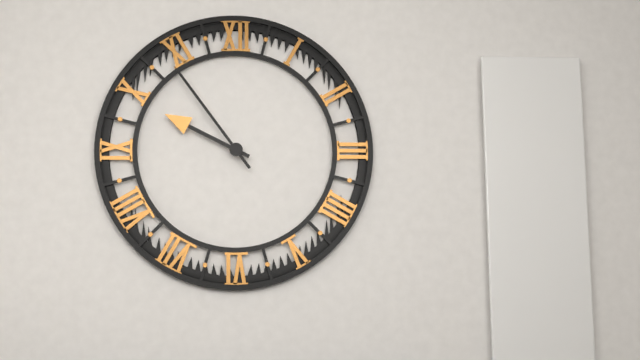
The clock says {"hour": 9, "minute": 54}
